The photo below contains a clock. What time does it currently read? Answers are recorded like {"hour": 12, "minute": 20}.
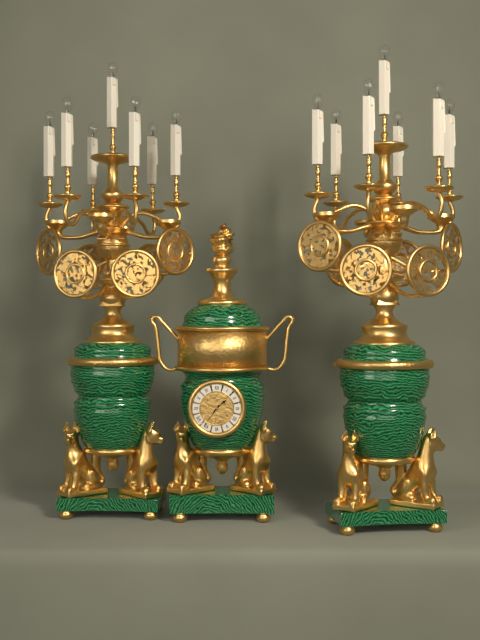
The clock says {"hour": 1, "minute": 36}
